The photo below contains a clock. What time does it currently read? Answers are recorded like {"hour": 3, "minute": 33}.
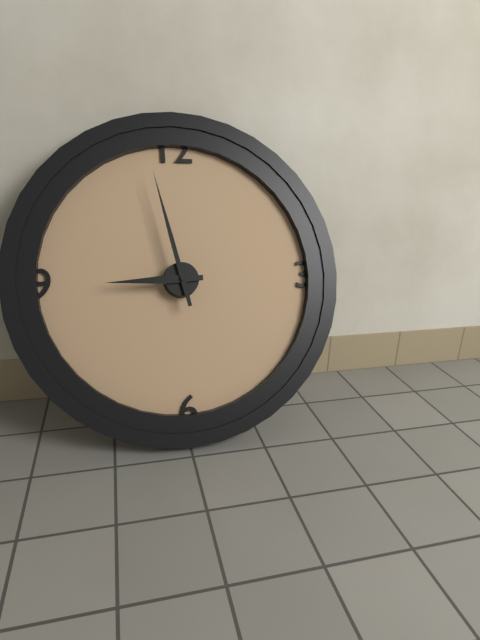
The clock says {"hour": 8, "minute": 58}
